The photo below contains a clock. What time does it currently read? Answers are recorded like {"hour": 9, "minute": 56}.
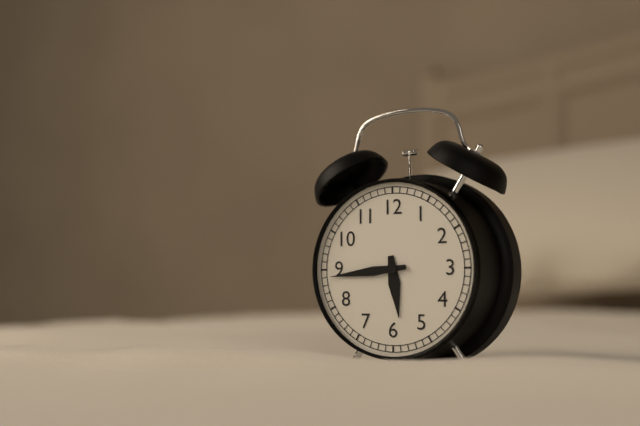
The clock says {"hour": 5, "minute": 44}
